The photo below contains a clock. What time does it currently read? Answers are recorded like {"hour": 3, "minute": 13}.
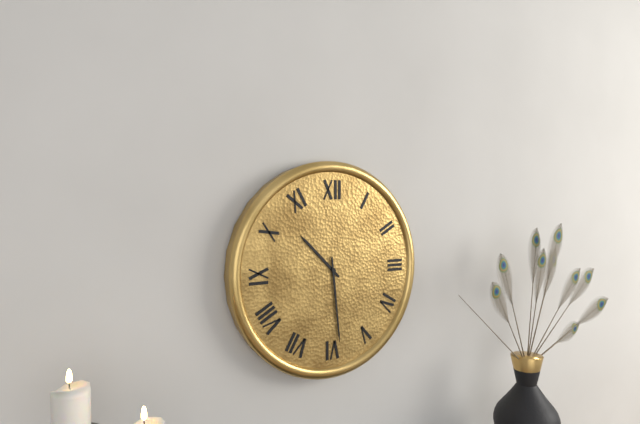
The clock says {"hour": 10, "minute": 29}
